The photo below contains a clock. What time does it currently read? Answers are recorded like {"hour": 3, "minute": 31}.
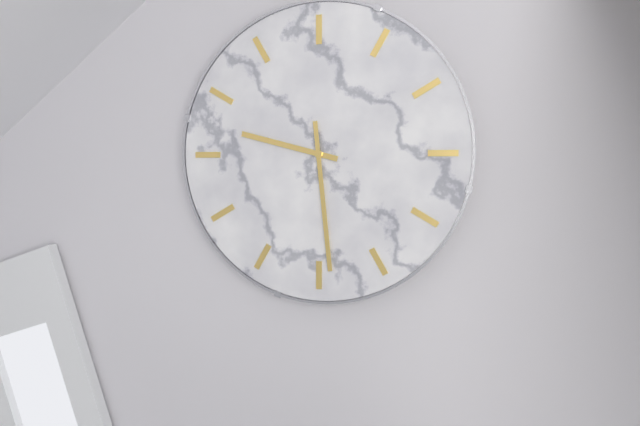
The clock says {"hour": 9, "minute": 29}
